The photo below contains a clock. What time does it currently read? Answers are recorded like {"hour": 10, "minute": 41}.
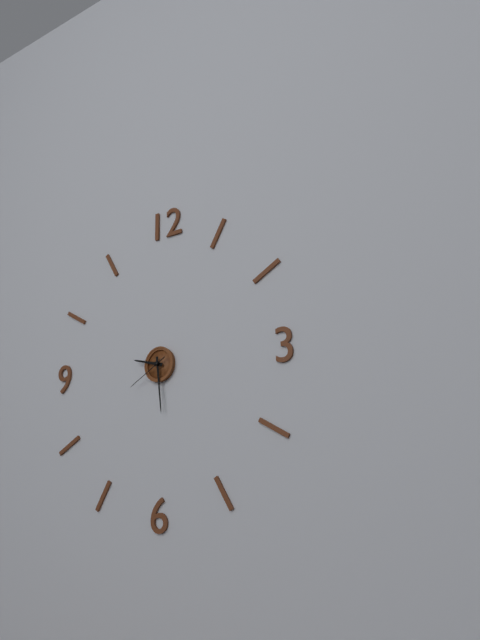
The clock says {"hour": 9, "minute": 29}
